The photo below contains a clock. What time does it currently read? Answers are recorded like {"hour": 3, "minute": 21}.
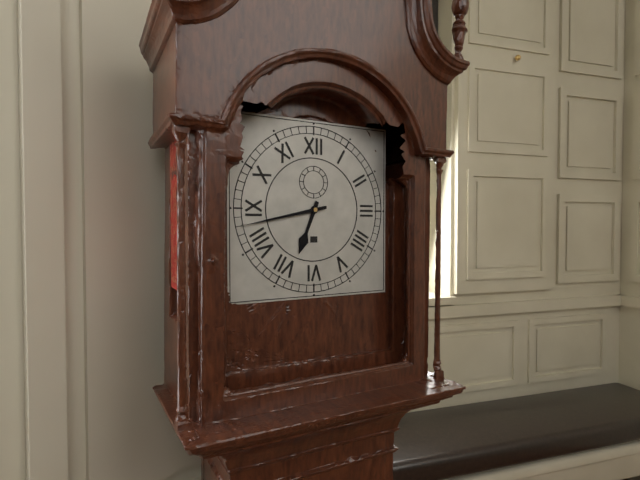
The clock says {"hour": 6, "minute": 43}
